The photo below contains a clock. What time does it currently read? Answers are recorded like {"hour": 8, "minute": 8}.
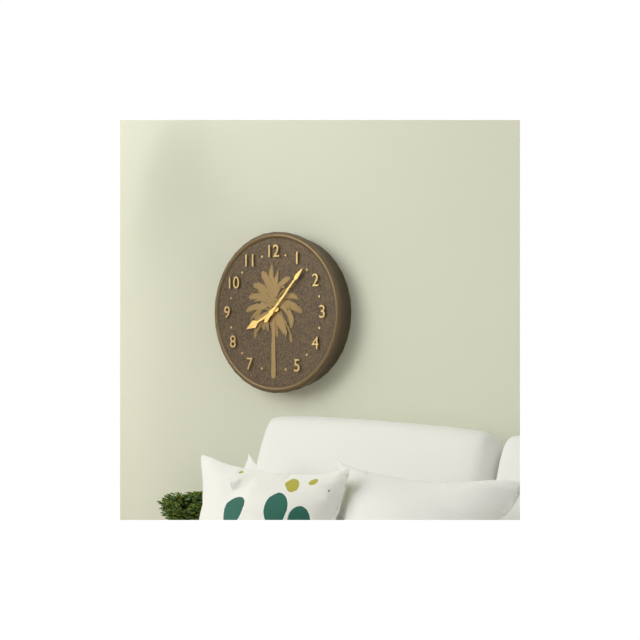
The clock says {"hour": 8, "minute": 7}
